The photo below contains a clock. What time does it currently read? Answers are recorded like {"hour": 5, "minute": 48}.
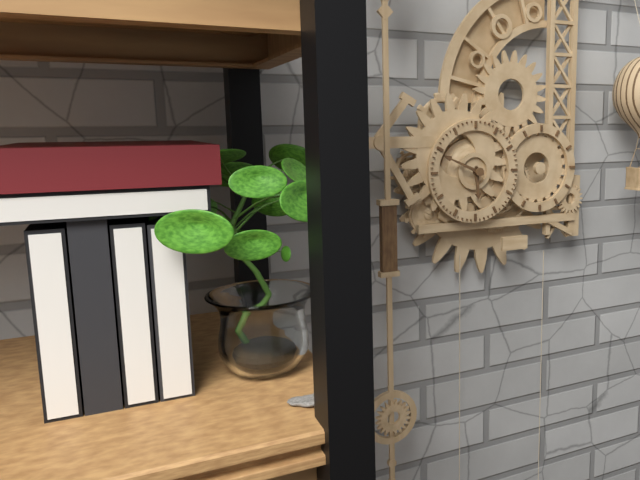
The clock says {"hour": 5, "minute": 49}
